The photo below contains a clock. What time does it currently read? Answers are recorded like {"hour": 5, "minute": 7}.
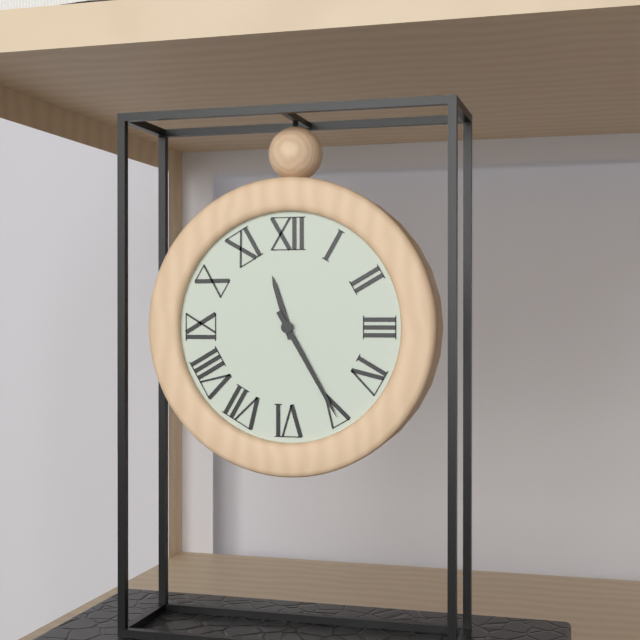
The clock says {"hour": 11, "minute": 25}
